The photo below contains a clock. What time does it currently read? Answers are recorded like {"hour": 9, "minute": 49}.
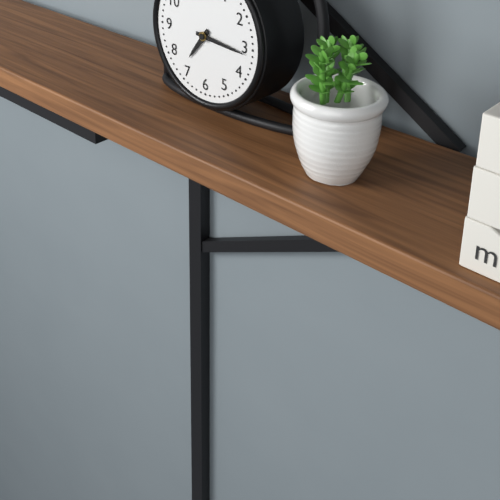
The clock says {"hour": 7, "minute": 16}
